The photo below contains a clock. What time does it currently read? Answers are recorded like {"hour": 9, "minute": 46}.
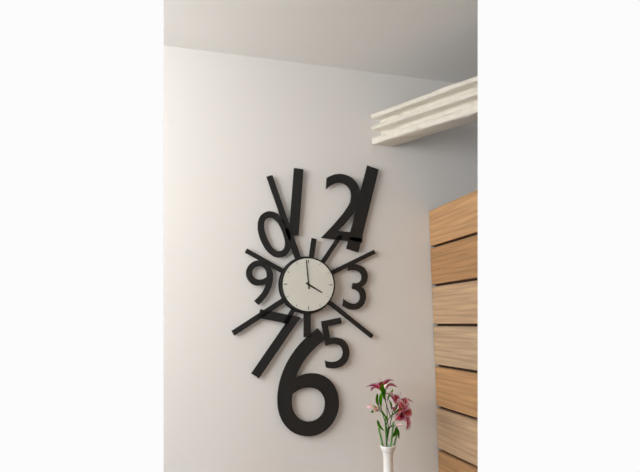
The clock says {"hour": 3, "minute": 59}
